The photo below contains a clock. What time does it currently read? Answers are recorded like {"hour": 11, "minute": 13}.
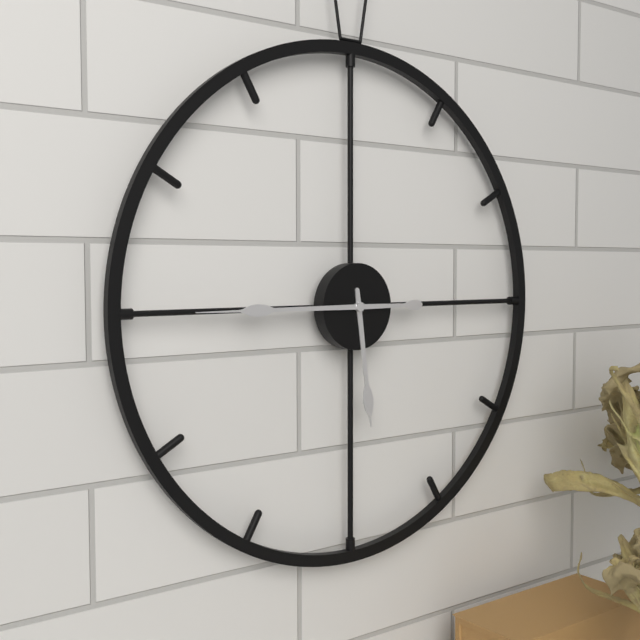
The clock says {"hour": 5, "minute": 45}
